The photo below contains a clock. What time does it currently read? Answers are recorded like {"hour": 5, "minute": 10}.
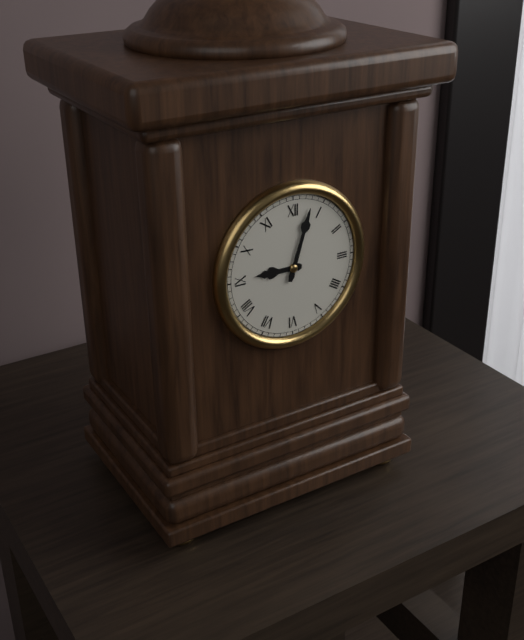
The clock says {"hour": 9, "minute": 3}
